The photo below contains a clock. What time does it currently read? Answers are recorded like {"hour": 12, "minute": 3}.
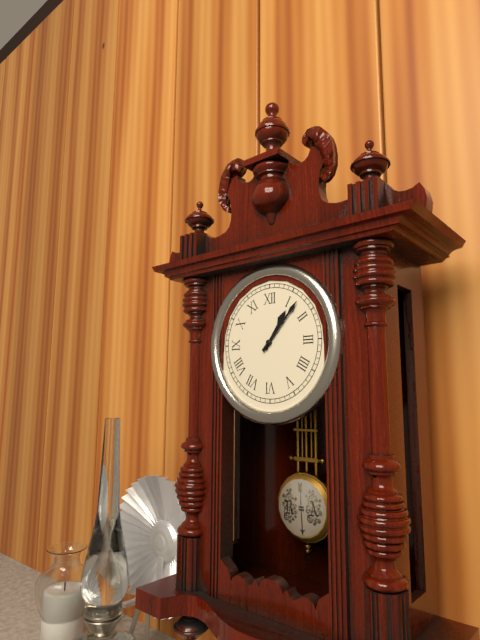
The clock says {"hour": 1, "minute": 7}
